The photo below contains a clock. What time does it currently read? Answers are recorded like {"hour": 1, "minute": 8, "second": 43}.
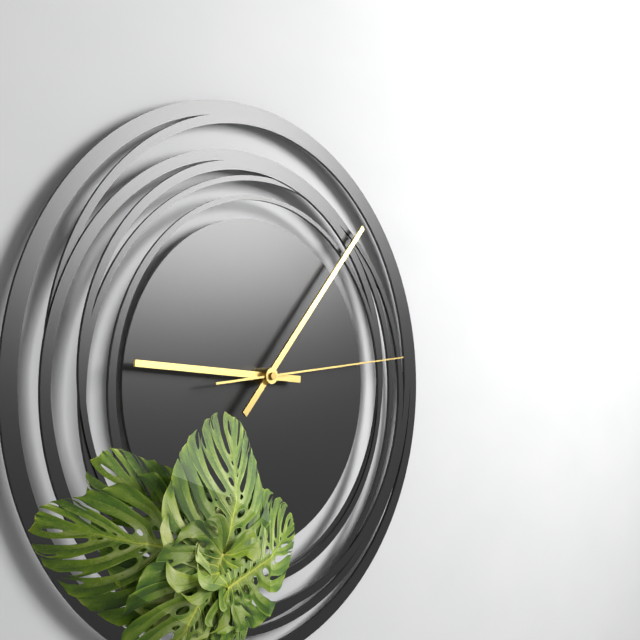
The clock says {"hour": 9, "minute": 7, "second": 14}
